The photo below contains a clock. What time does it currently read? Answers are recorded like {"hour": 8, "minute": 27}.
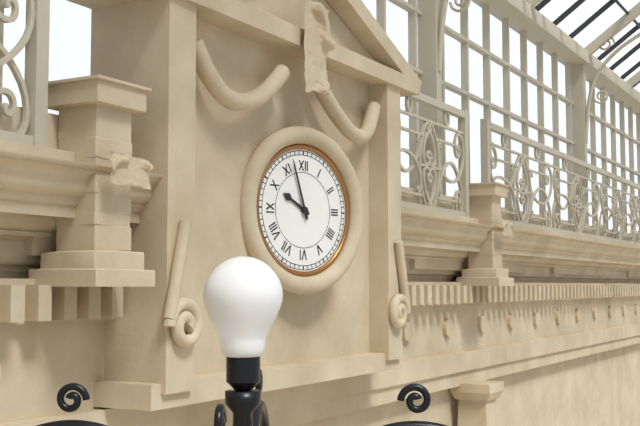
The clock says {"hour": 9, "minute": 57}
